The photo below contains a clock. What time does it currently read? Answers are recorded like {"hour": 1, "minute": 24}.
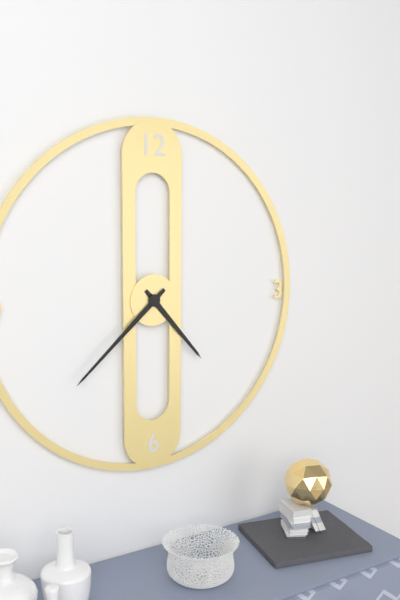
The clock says {"hour": 4, "minute": 38}
